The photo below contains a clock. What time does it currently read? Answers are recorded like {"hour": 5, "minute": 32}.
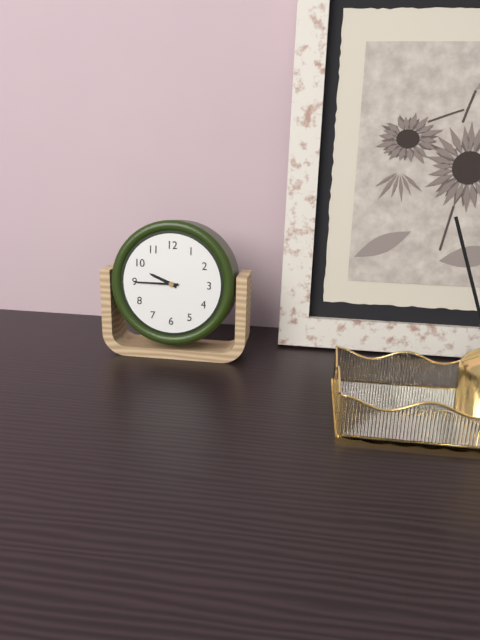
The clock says {"hour": 9, "minute": 45}
